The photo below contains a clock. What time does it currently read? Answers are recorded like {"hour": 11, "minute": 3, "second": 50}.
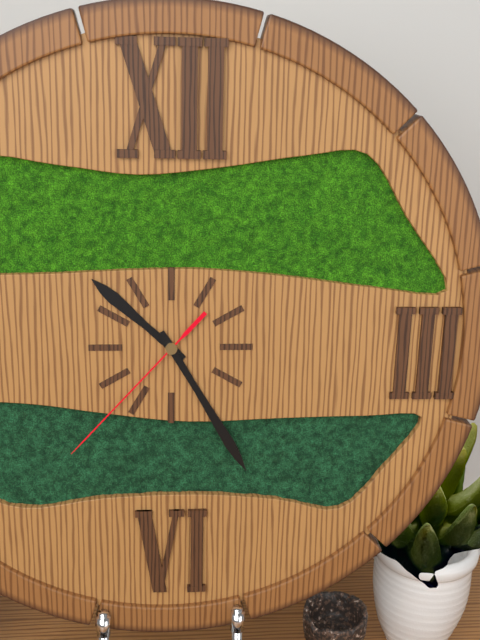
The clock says {"hour": 10, "minute": 25, "second": 37}
